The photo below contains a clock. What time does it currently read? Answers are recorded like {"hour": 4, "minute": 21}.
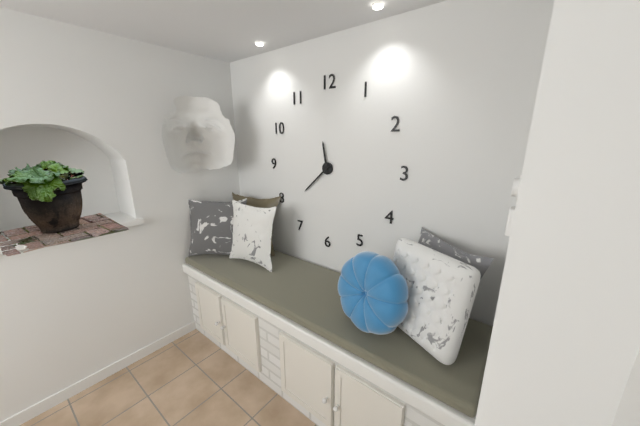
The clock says {"hour": 11, "minute": 38}
